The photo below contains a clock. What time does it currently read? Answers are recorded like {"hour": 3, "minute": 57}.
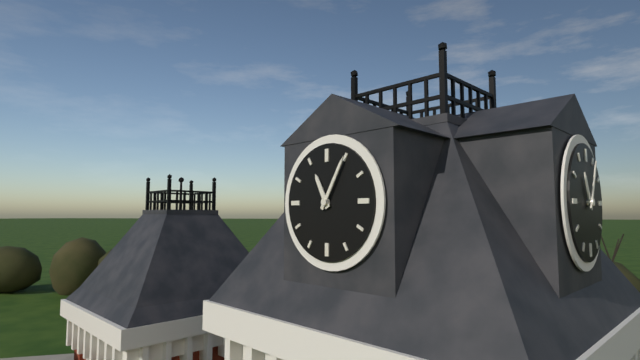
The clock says {"hour": 11, "minute": 5}
